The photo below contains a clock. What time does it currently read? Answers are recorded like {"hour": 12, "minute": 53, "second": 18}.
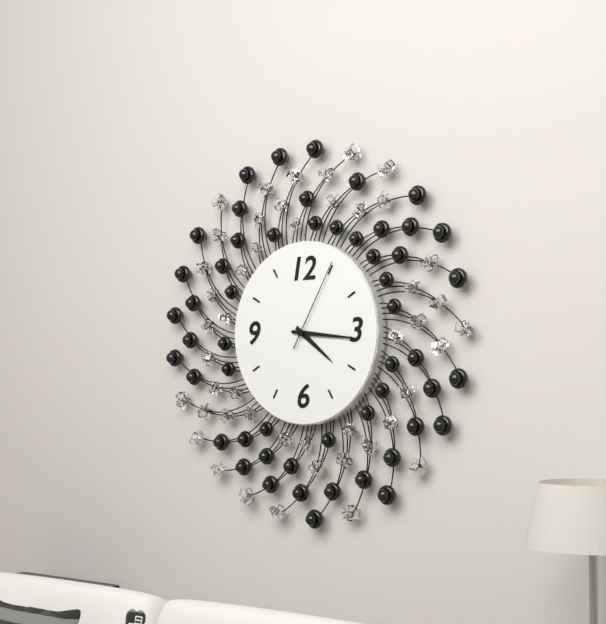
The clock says {"hour": 4, "minute": 16, "second": 5}
